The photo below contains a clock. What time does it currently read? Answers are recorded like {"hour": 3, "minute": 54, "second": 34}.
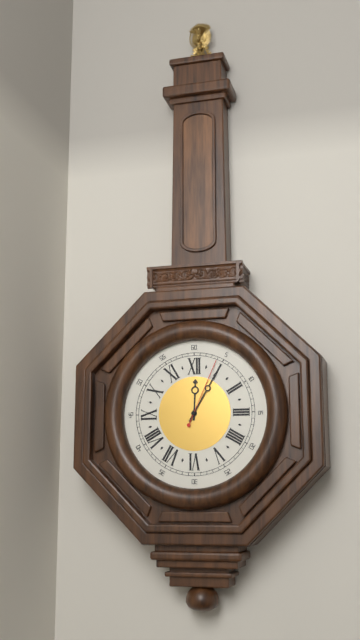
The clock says {"hour": 12, "minute": 5, "second": 4}
